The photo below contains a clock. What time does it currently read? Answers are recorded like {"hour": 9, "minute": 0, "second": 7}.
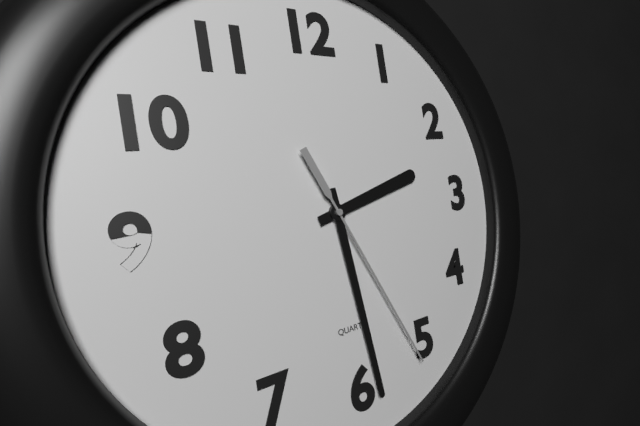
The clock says {"hour": 2, "minute": 29, "second": 26}
